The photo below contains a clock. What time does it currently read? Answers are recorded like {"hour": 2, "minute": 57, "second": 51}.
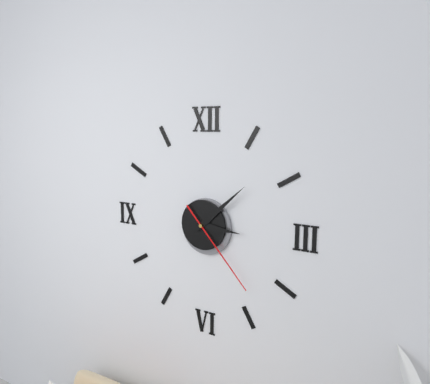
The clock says {"hour": 3, "minute": 8, "second": 23}
